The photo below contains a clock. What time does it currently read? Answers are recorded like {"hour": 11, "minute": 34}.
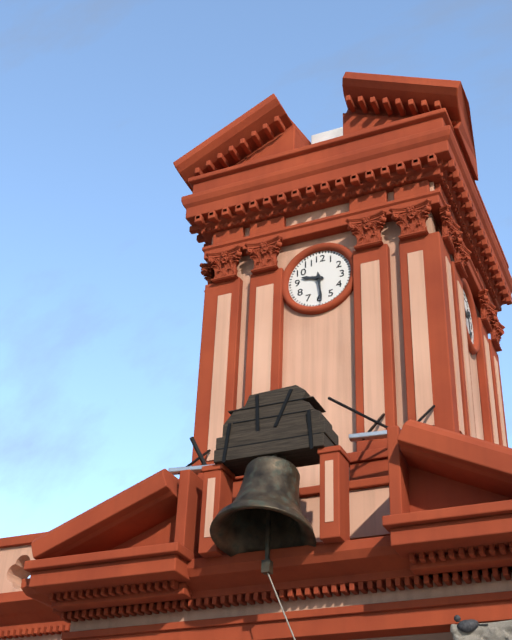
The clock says {"hour": 9, "minute": 29}
